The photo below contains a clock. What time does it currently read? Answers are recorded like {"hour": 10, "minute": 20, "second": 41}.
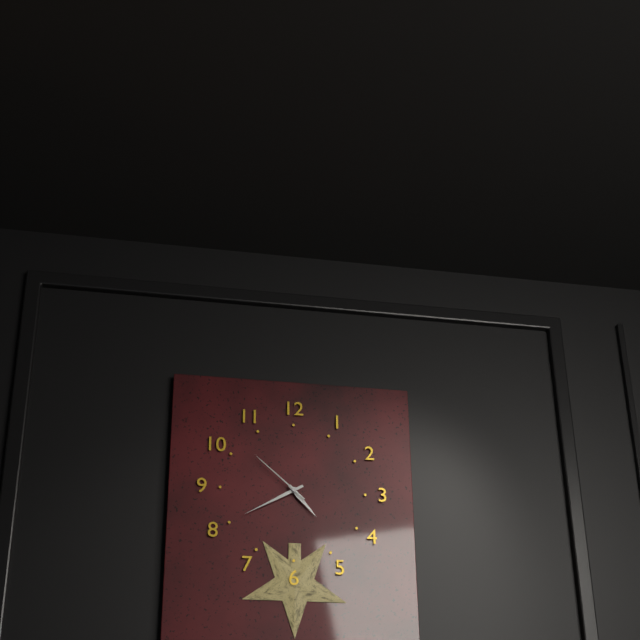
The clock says {"hour": 4, "minute": 40, "second": 52}
